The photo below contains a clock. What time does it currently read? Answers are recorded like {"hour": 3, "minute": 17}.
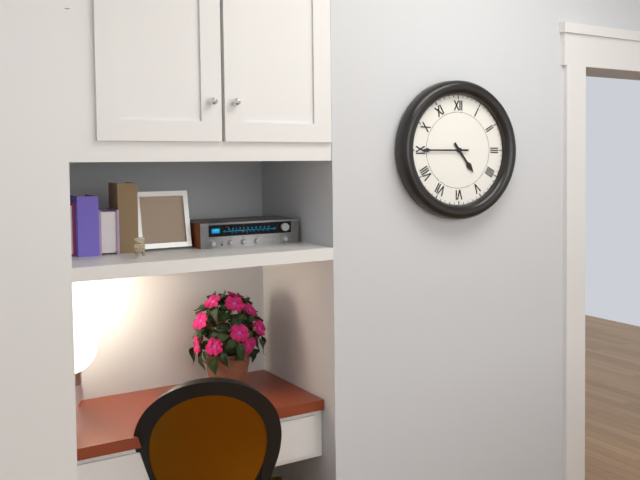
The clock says {"hour": 4, "minute": 45}
